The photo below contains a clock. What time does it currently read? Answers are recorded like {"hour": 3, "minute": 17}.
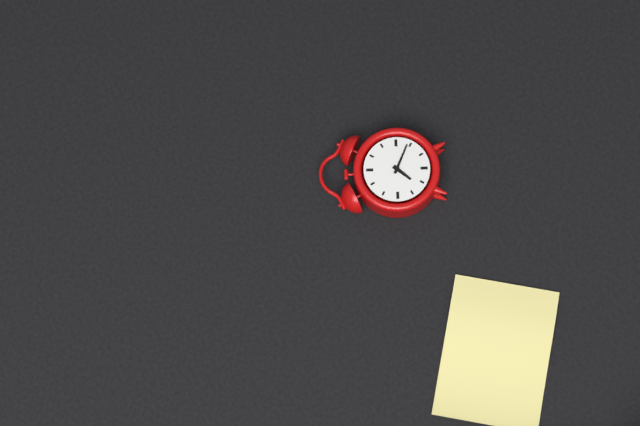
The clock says {"hour": 7, "minute": 19}
